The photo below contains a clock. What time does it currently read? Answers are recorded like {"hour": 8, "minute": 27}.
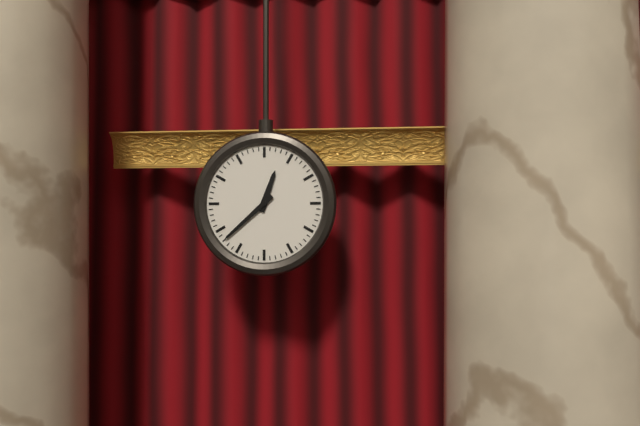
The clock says {"hour": 12, "minute": 38}
